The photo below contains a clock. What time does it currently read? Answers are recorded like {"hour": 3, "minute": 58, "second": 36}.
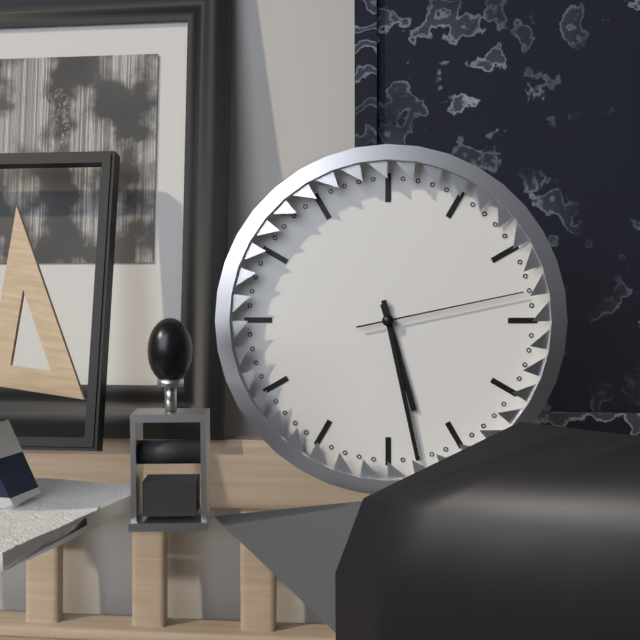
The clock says {"hour": 5, "minute": 28, "second": 13}
